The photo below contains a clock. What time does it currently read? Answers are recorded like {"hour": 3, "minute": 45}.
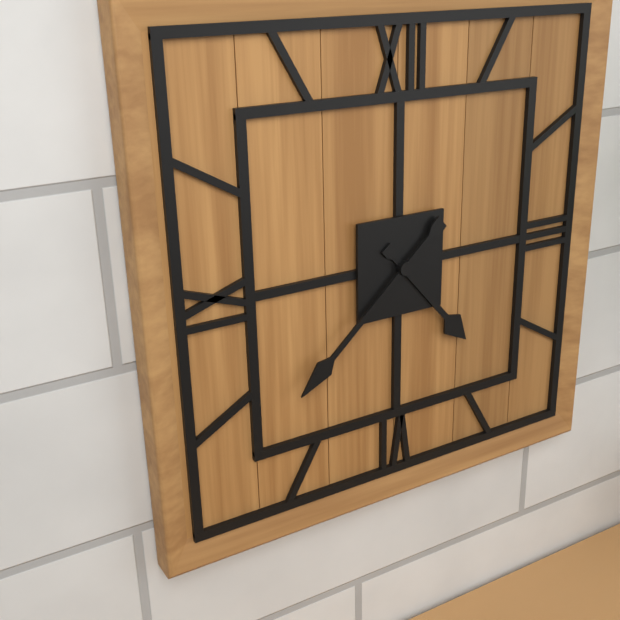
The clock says {"hour": 4, "minute": 38}
